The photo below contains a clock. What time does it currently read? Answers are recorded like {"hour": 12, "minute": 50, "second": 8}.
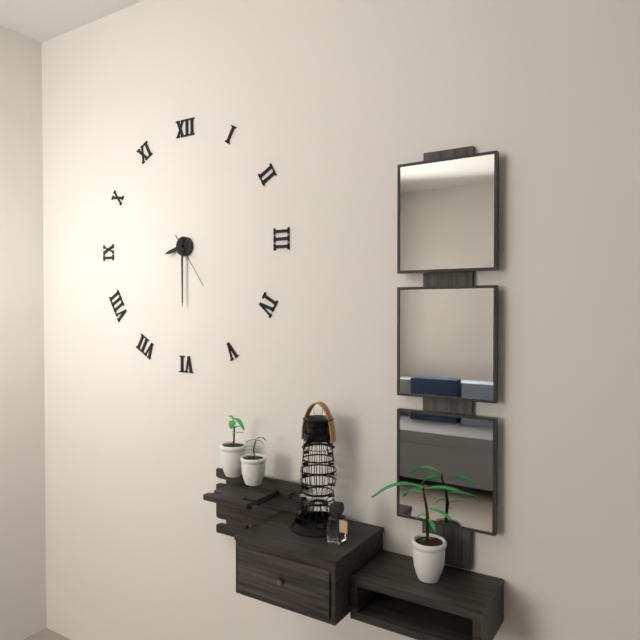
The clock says {"hour": 8, "minute": 30, "second": 24}
